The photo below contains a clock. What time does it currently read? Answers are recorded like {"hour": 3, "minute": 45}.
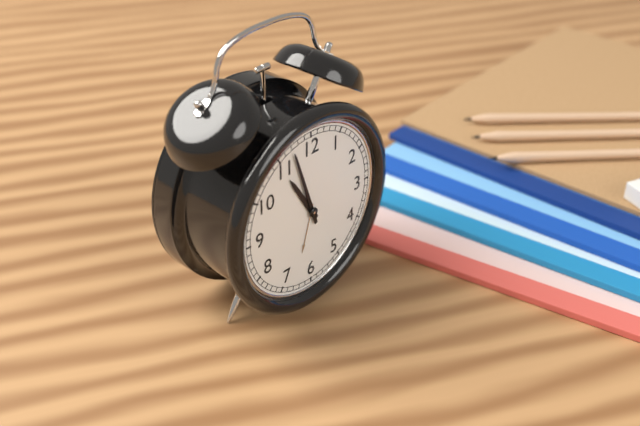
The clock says {"hour": 10, "minute": 57}
